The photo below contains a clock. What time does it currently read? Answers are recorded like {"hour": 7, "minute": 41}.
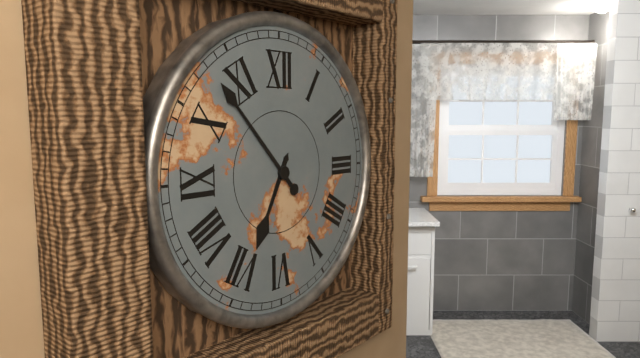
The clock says {"hour": 6, "minute": 53}
